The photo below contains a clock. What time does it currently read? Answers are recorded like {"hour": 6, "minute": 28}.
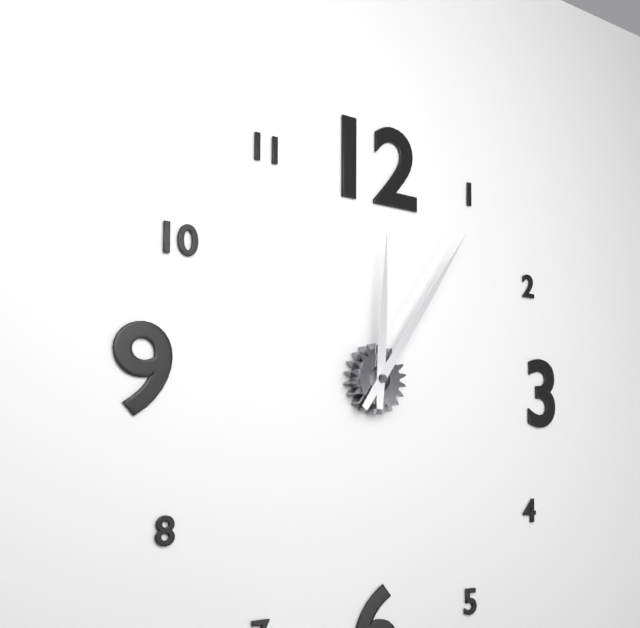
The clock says {"hour": 12, "minute": 6}
